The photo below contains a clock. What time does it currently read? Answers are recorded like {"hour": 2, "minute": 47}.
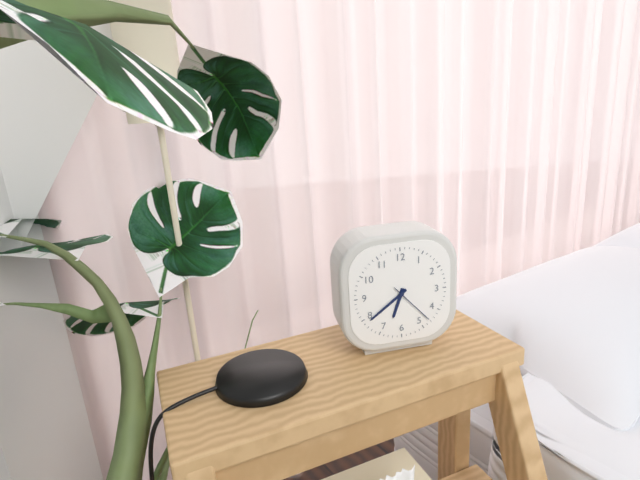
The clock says {"hour": 6, "minute": 39}
